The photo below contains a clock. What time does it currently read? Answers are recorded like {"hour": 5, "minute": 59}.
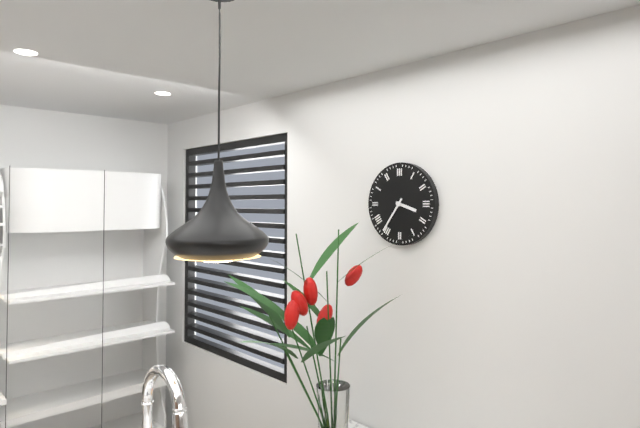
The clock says {"hour": 3, "minute": 36}
